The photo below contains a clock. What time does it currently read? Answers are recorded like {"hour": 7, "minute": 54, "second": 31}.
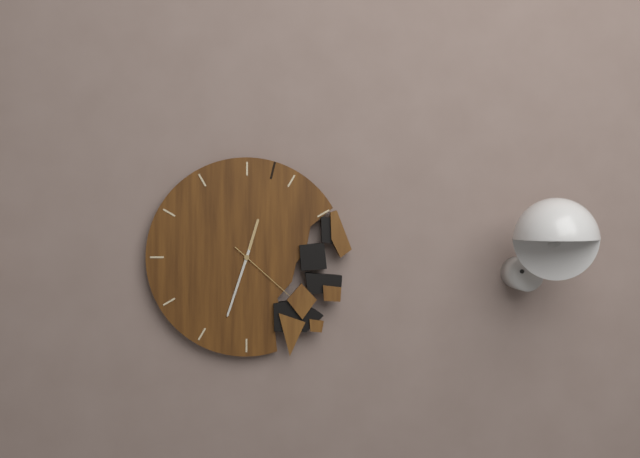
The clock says {"hour": 12, "minute": 33, "second": 22}
